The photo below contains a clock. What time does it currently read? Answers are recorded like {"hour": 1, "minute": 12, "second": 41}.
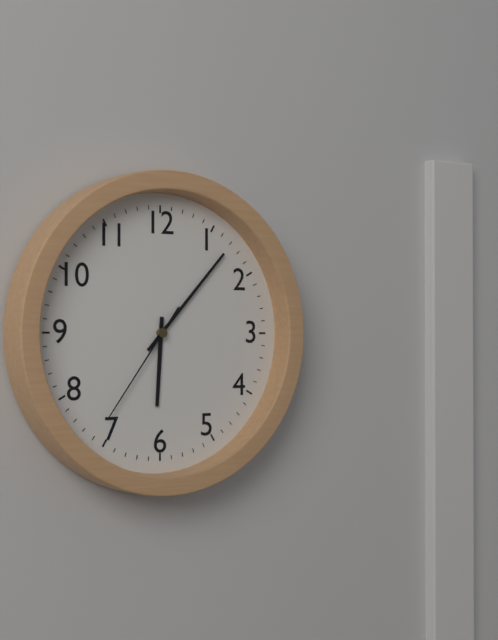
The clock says {"hour": 6, "minute": 7, "second": 36}
